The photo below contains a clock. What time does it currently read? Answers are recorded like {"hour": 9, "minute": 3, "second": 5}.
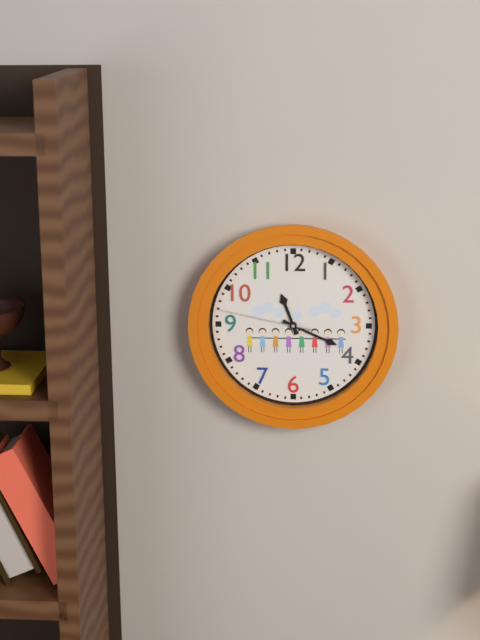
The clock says {"hour": 11, "minute": 19, "second": 47}
